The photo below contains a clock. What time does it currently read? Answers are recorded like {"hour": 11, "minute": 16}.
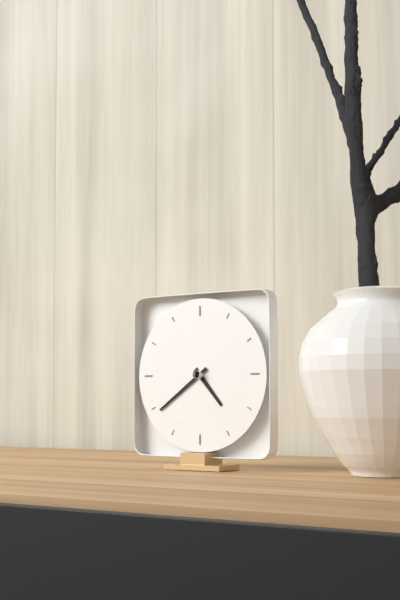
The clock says {"hour": 4, "minute": 39}
